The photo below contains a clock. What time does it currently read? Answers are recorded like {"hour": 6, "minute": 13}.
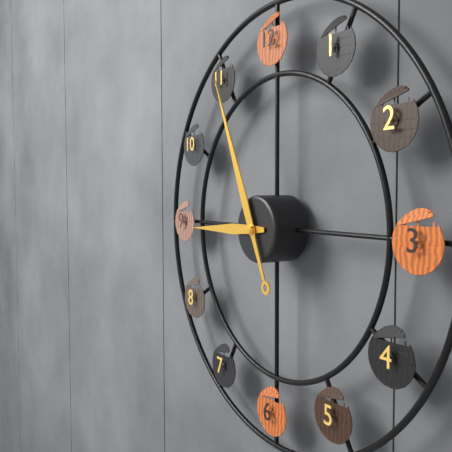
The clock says {"hour": 8, "minute": 56}
